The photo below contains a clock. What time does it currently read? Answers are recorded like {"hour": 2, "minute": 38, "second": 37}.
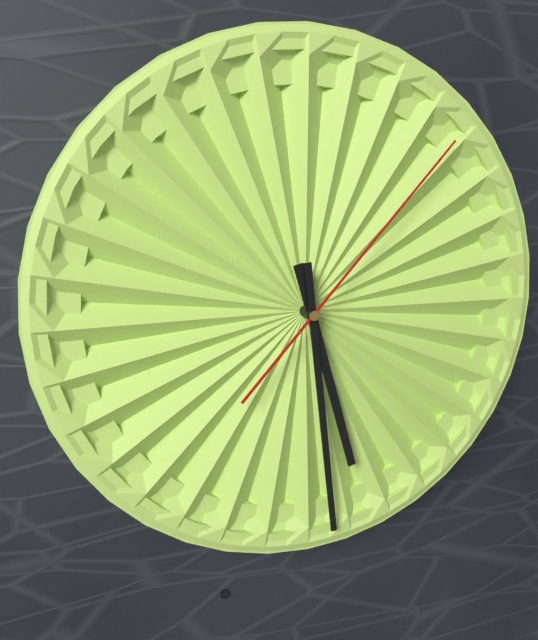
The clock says {"hour": 5, "minute": 29, "second": 7}
